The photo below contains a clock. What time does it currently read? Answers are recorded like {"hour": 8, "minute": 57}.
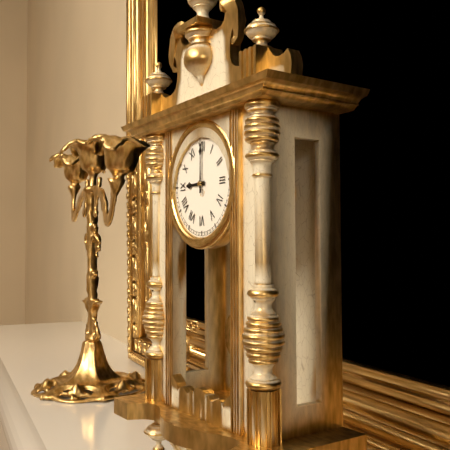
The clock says {"hour": 9, "minute": 0}
